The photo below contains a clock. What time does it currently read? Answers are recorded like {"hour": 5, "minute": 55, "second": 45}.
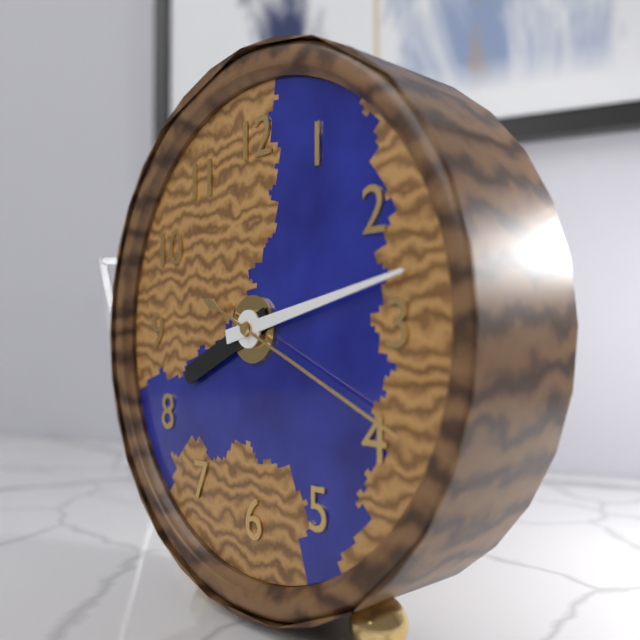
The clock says {"hour": 8, "minute": 13, "second": 19}
